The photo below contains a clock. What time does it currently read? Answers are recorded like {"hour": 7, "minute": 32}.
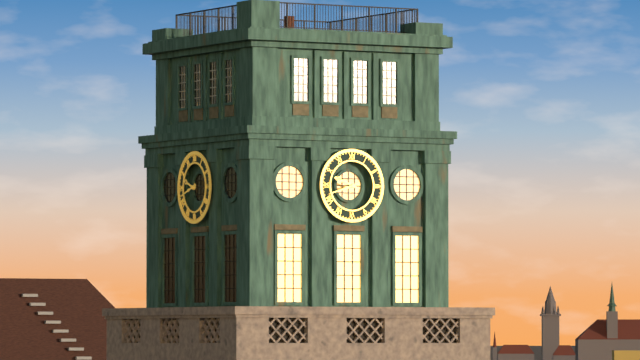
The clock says {"hour": 9, "minute": 42}
